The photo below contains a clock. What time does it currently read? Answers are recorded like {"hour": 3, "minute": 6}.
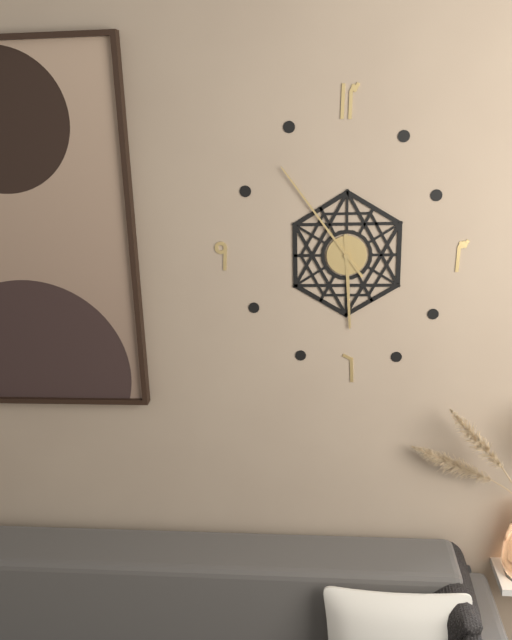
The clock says {"hour": 5, "minute": 54}
